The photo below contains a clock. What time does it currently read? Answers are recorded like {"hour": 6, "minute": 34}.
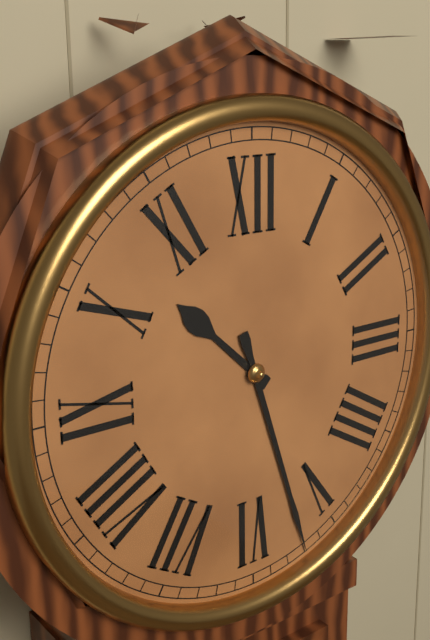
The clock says {"hour": 10, "minute": 27}
